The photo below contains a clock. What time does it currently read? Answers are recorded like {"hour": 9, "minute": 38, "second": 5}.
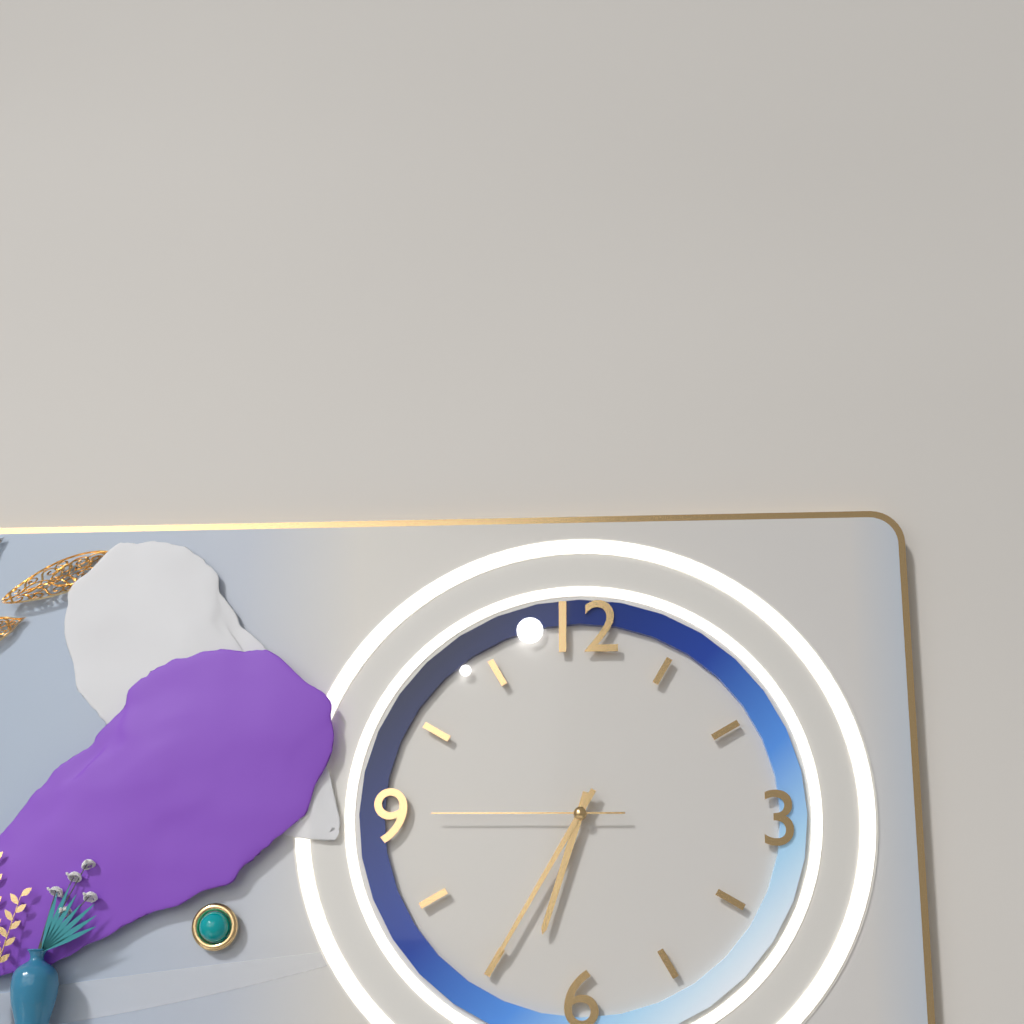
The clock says {"hour": 6, "minute": 35, "second": 45}
